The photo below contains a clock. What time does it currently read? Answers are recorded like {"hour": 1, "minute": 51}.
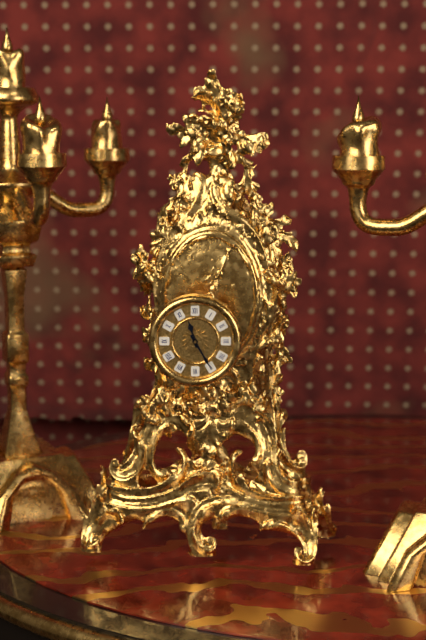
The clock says {"hour": 11, "minute": 25}
